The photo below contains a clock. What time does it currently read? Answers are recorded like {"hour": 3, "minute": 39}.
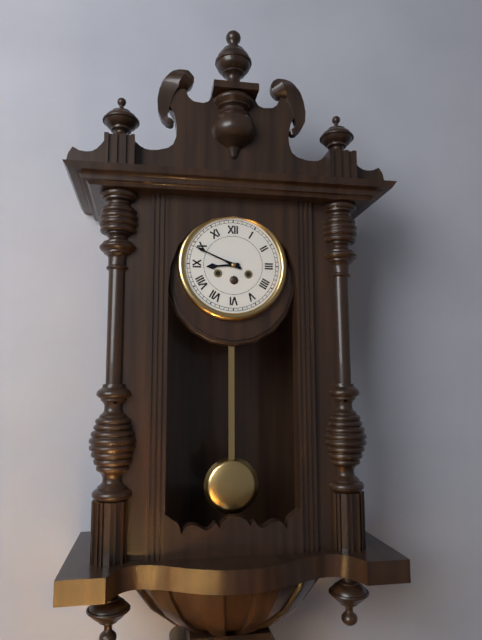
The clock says {"hour": 8, "minute": 49}
